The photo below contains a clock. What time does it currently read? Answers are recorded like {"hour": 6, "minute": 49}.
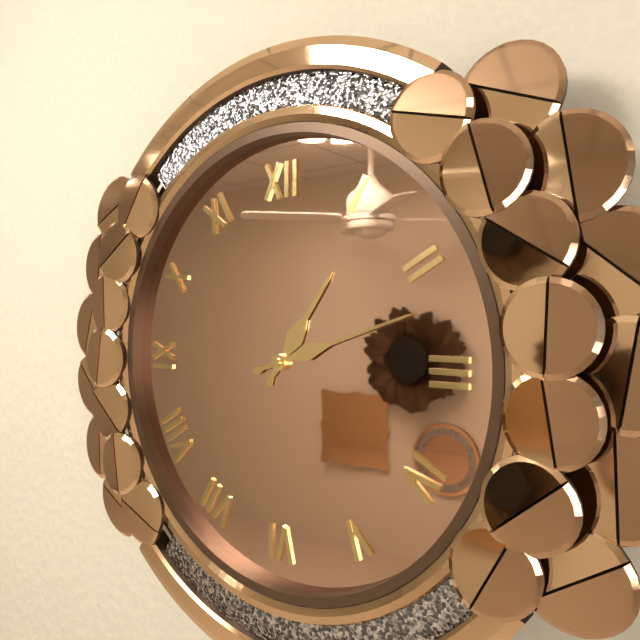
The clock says {"hour": 1, "minute": 12}
